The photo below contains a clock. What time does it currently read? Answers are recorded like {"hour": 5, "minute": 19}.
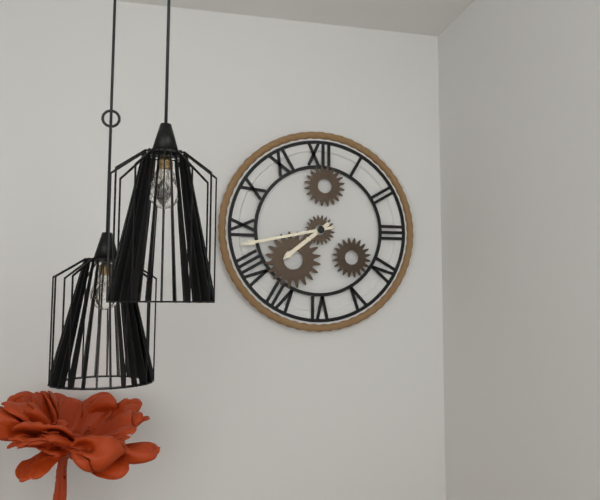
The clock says {"hour": 7, "minute": 43}
